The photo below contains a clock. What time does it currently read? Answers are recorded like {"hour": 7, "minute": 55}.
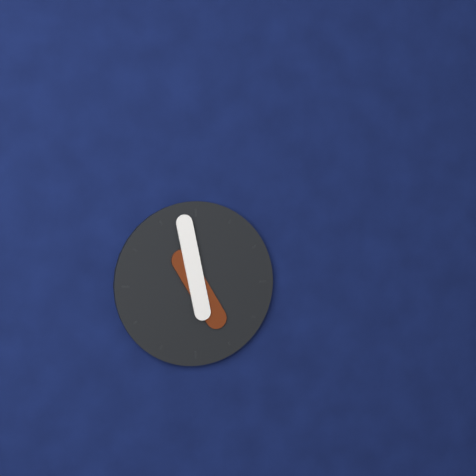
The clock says {"hour": 4, "minute": 58}
